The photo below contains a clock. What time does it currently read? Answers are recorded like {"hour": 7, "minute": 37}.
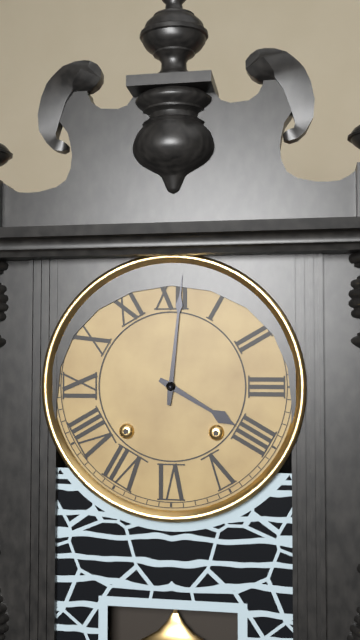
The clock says {"hour": 4, "minute": 1}
